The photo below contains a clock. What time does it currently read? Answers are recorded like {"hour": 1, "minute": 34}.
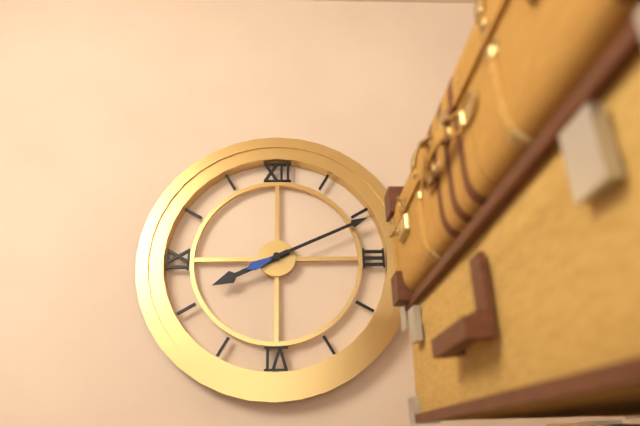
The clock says {"hour": 8, "minute": 11}
